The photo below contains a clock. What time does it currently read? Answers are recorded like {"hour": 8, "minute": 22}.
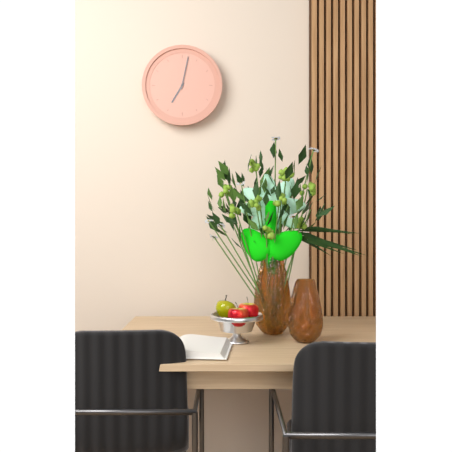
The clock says {"hour": 7, "minute": 2}
